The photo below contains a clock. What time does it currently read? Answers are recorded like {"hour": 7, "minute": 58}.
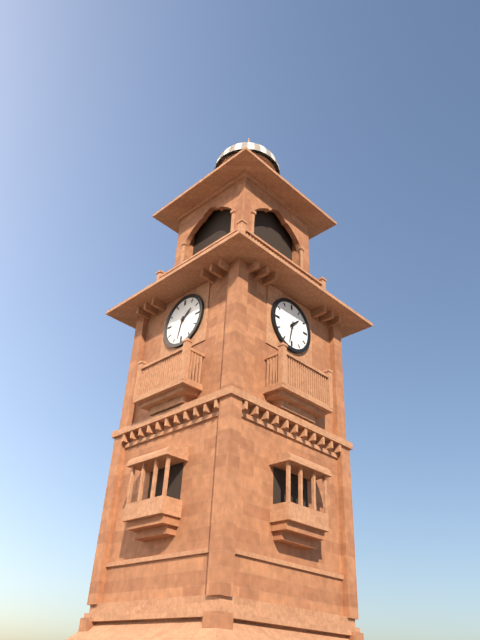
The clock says {"hour": 1, "minute": 32}
